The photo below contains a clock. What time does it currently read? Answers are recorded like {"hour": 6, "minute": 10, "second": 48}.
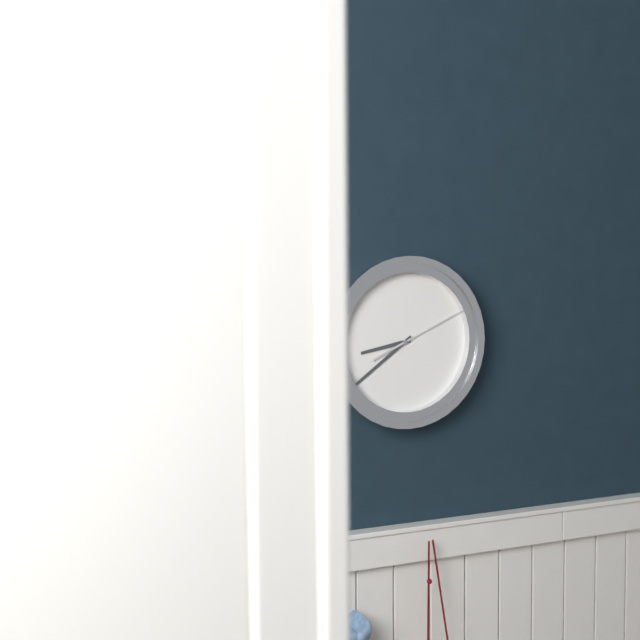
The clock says {"hour": 8, "minute": 39, "second": 11}
